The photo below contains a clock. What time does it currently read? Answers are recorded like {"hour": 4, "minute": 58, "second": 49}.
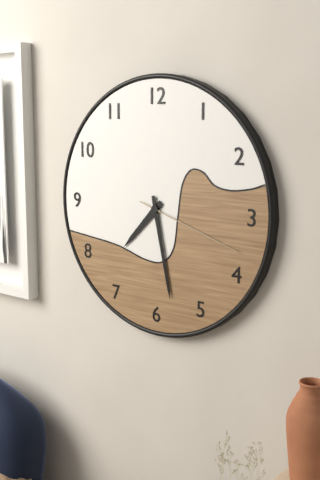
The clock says {"hour": 7, "minute": 28, "second": 18}
